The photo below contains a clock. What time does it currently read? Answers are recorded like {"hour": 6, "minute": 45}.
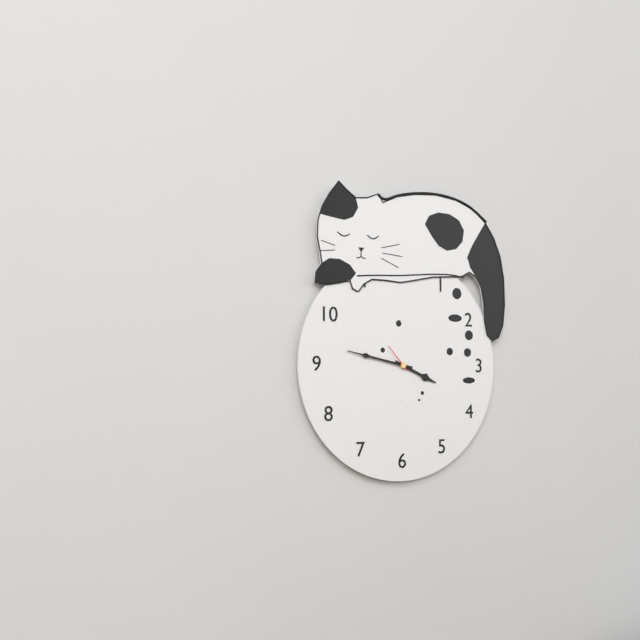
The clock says {"hour": 3, "minute": 47}
